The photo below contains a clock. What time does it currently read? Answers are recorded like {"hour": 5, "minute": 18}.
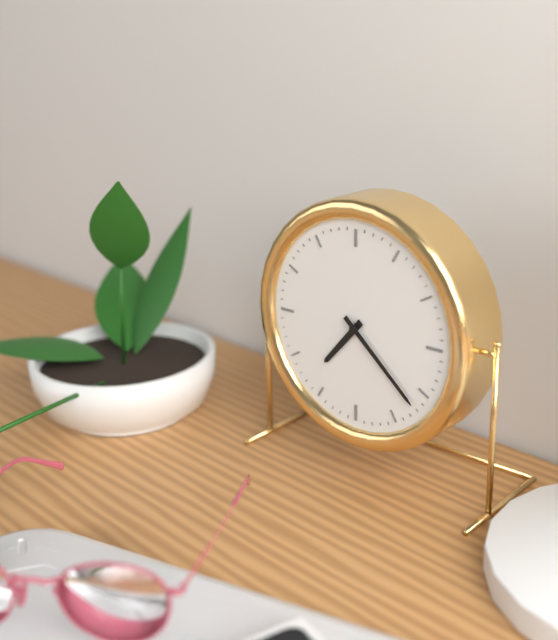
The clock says {"hour": 7, "minute": 22}
